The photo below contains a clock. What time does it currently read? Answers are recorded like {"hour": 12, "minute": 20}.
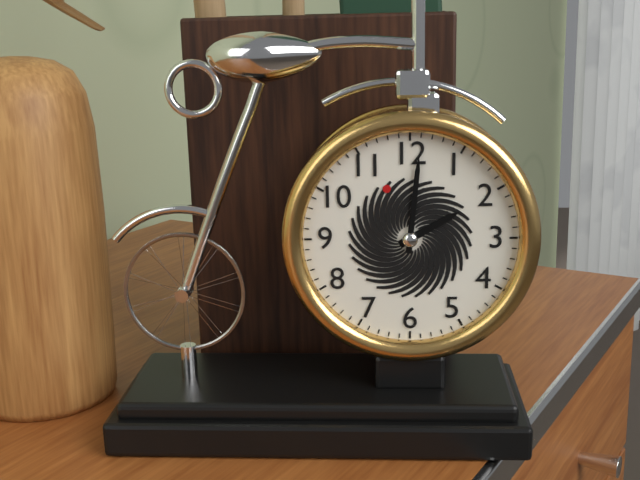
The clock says {"hour": 2, "minute": 1}
